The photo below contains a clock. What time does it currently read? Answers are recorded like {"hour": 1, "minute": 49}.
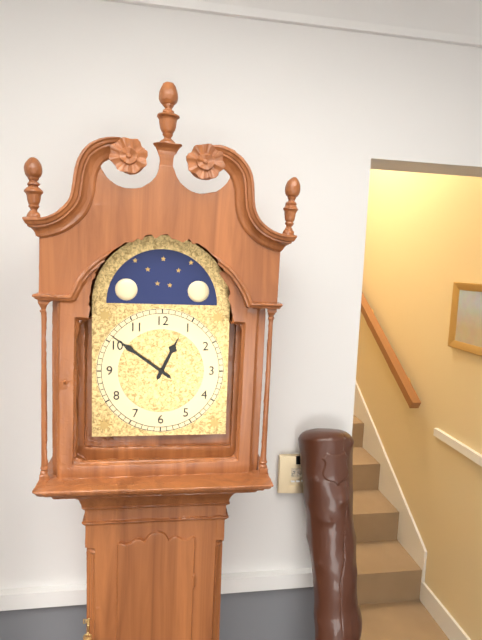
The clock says {"hour": 12, "minute": 51}
